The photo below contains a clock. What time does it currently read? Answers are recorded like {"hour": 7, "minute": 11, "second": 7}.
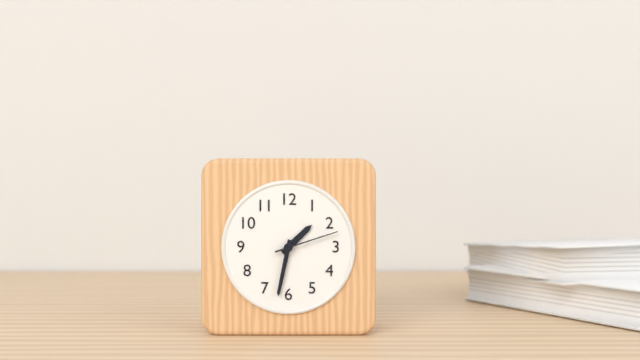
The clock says {"hour": 1, "minute": 32, "second": 12}
